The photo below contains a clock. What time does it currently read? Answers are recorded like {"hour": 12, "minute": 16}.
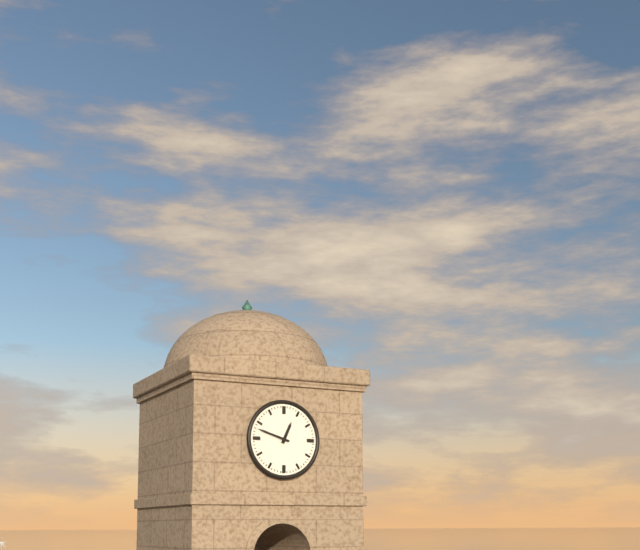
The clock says {"hour": 12, "minute": 48}
